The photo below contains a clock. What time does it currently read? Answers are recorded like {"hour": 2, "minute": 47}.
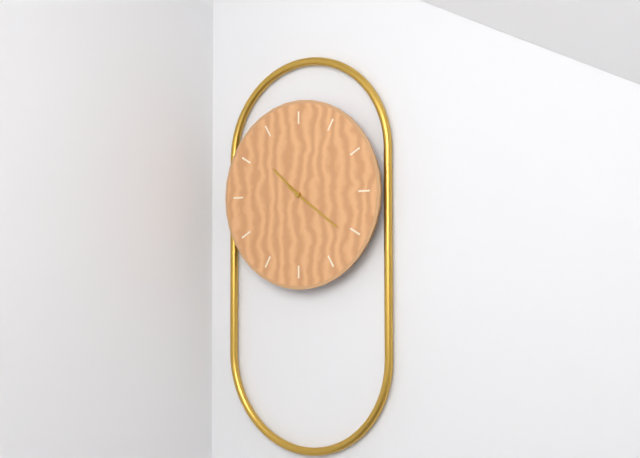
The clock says {"hour": 10, "minute": 21}
